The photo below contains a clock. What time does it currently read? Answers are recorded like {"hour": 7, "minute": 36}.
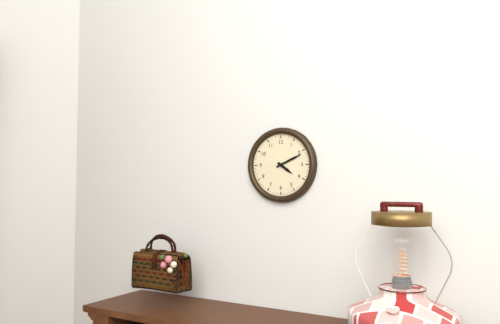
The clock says {"hour": 4, "minute": 11}
